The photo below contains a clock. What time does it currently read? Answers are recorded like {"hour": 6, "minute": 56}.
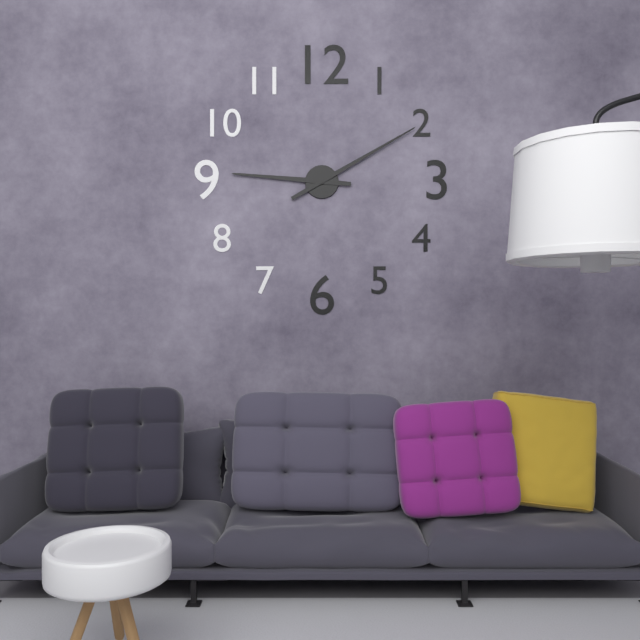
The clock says {"hour": 9, "minute": 10}
